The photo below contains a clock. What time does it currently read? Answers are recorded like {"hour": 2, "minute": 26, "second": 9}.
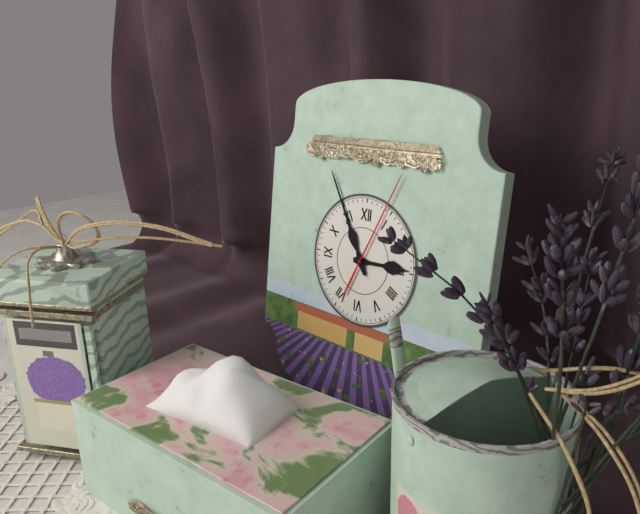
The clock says {"hour": 2, "minute": 55, "second": 4}
